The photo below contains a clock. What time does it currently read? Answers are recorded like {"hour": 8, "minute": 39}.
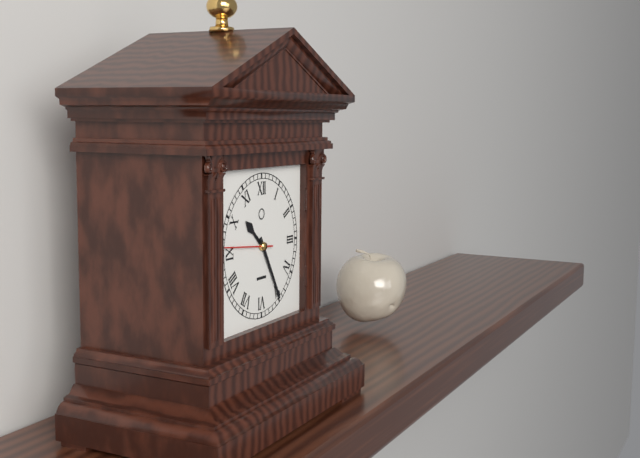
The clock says {"hour": 10, "minute": 25}
